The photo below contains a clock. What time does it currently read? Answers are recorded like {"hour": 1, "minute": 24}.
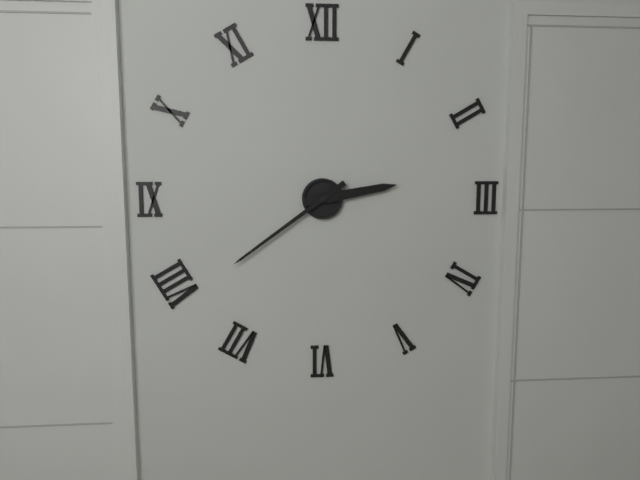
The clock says {"hour": 2, "minute": 39}
